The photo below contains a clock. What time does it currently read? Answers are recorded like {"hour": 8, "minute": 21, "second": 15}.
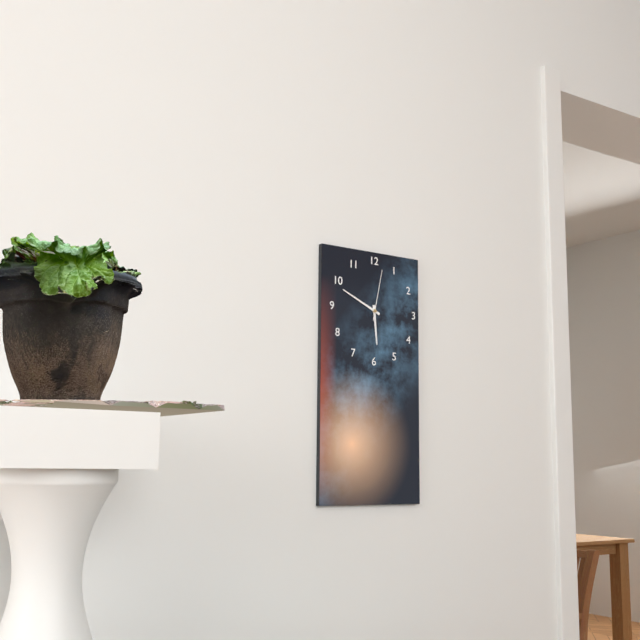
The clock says {"hour": 5, "minute": 49, "second": 2}
